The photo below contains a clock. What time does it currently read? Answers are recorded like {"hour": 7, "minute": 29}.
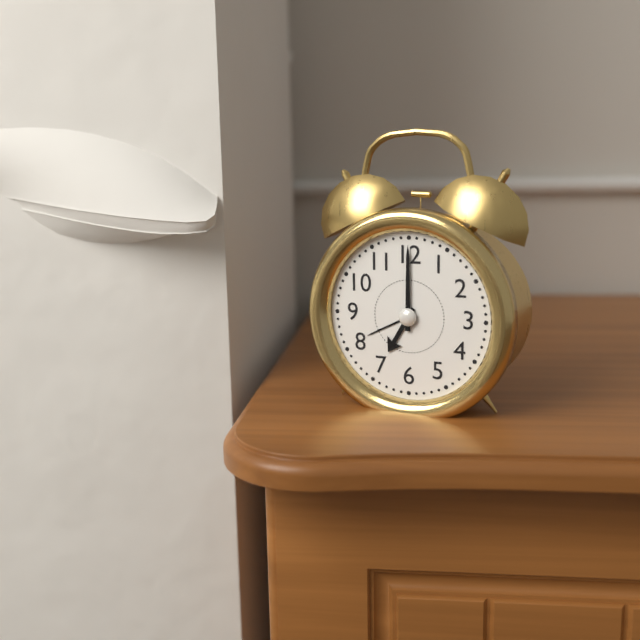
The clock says {"hour": 7, "minute": 0}
